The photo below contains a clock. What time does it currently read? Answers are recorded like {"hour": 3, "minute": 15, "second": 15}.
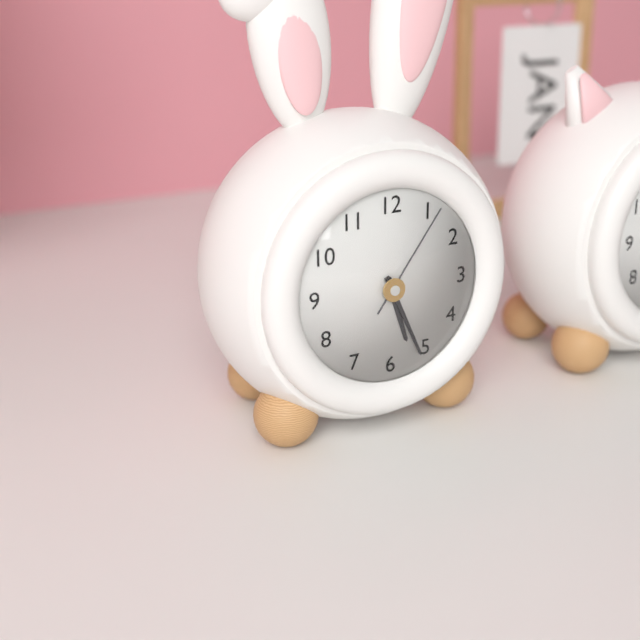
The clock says {"hour": 5, "minute": 26, "second": 6}
